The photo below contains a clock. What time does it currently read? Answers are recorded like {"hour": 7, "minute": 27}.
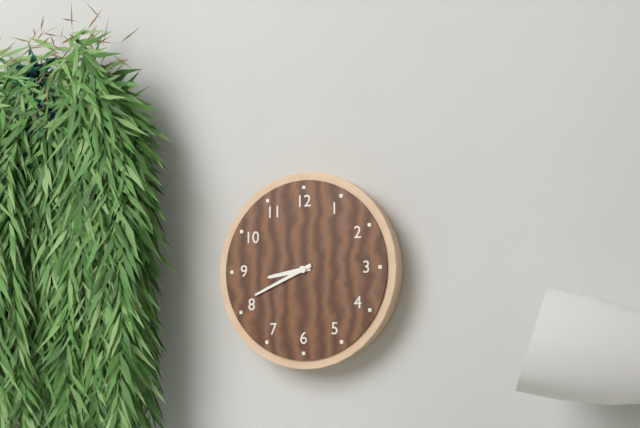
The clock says {"hour": 8, "minute": 41}
